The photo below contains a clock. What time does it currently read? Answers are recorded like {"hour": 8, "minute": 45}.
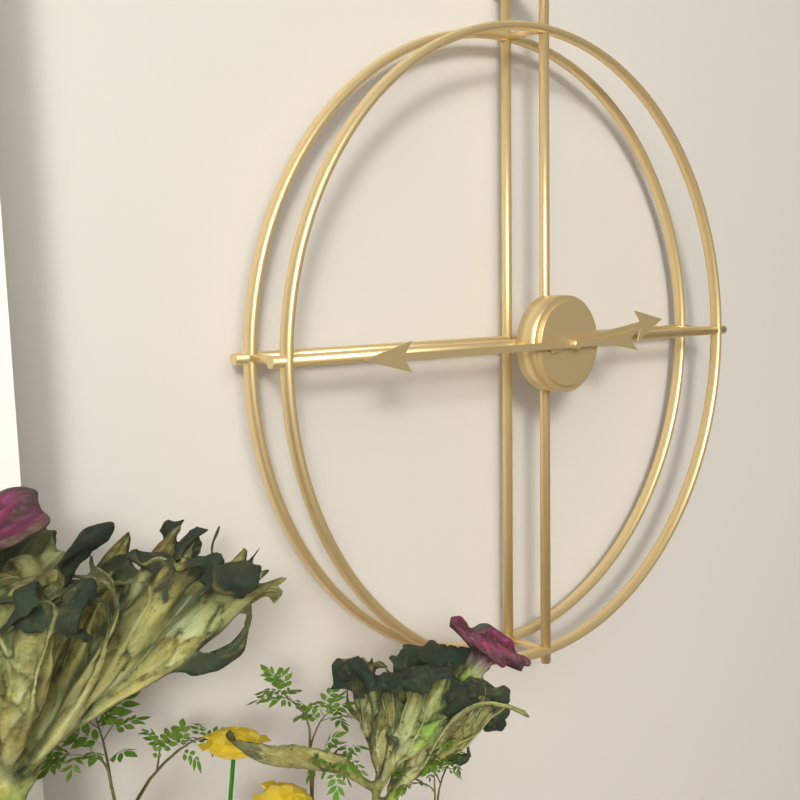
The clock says {"hour": 2, "minute": 45}
